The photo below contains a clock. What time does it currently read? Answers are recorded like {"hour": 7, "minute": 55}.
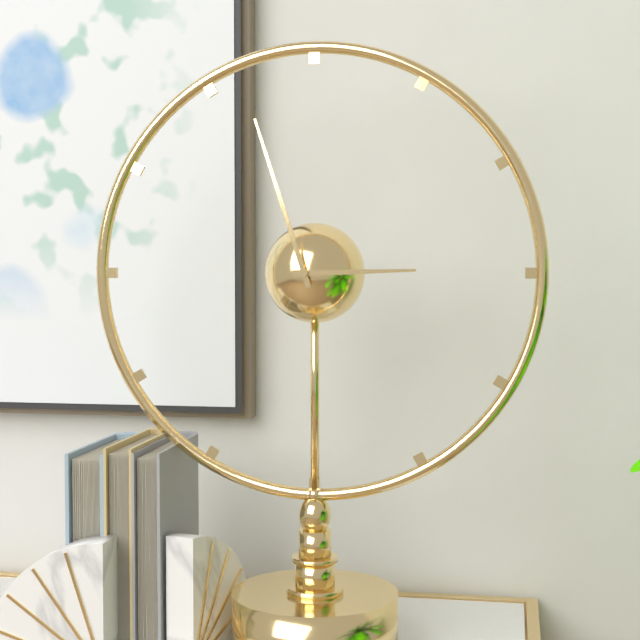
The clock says {"hour": 2, "minute": 57}
